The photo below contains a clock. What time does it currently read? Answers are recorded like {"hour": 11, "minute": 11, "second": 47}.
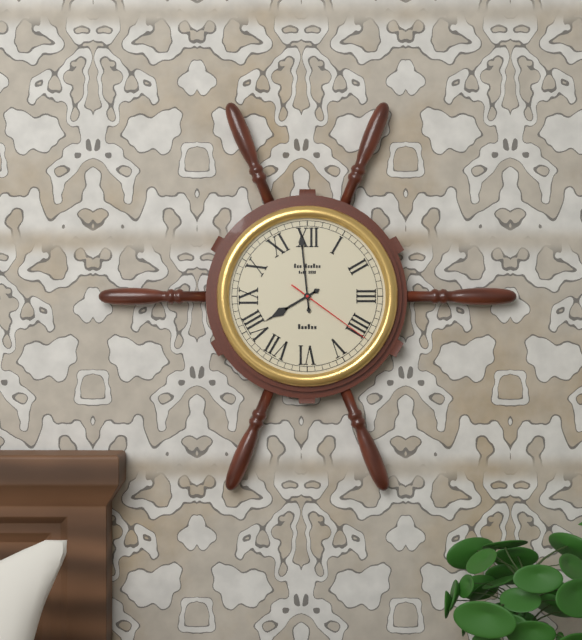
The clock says {"hour": 7, "minute": 59, "second": 21}
